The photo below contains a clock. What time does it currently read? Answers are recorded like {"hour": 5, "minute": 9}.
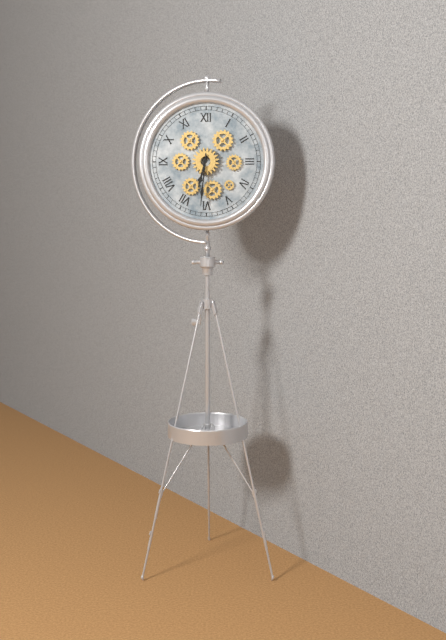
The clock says {"hour": 6, "minute": 31}
